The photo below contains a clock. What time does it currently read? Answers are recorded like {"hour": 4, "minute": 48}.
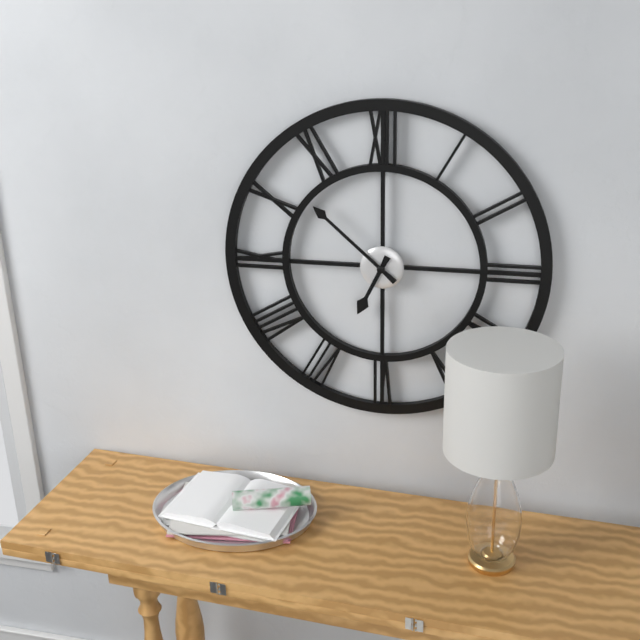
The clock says {"hour": 6, "minute": 52}
